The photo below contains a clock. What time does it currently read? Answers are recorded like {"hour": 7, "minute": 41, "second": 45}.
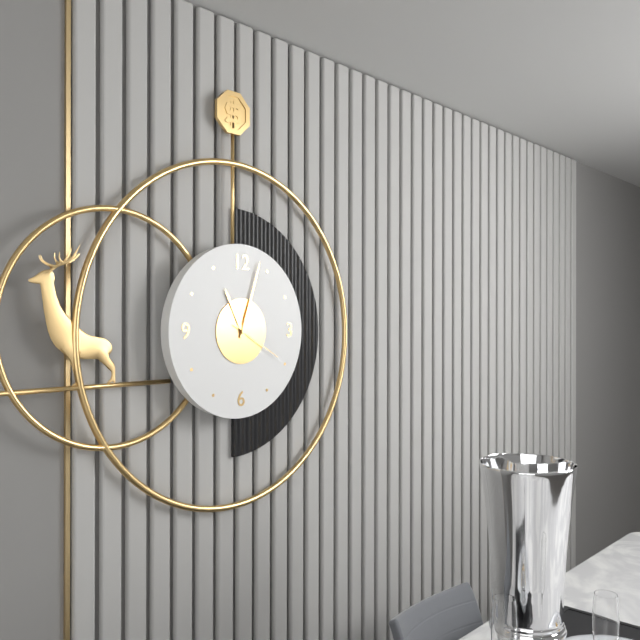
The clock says {"hour": 11, "minute": 3, "second": 20}
